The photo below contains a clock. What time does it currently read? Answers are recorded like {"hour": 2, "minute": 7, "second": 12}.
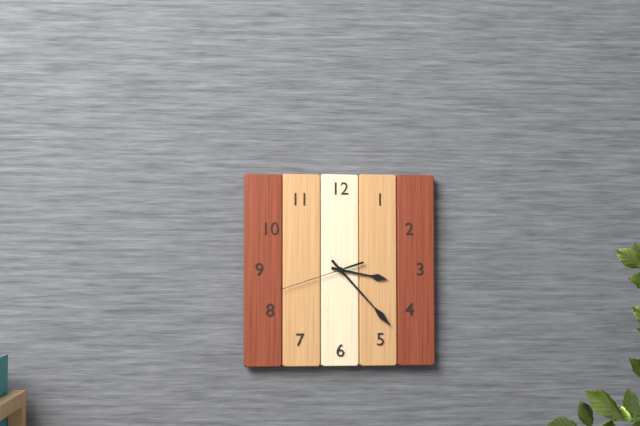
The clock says {"hour": 3, "minute": 23, "second": 42}
